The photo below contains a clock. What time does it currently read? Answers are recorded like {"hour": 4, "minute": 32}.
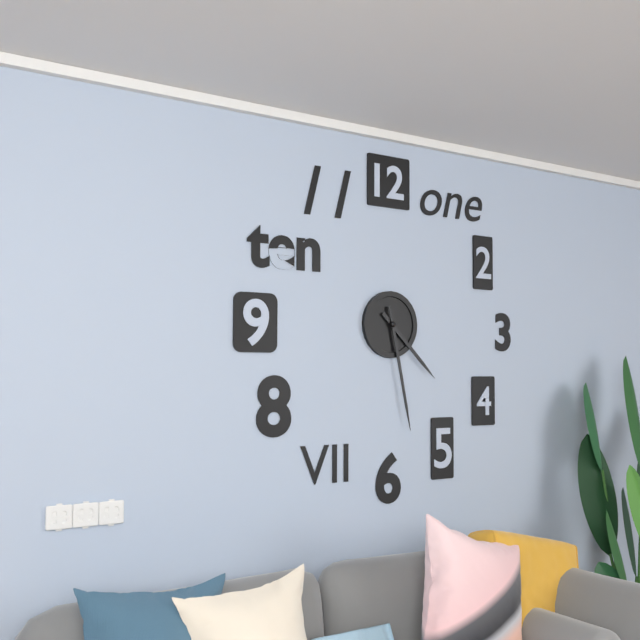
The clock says {"hour": 4, "minute": 28}
